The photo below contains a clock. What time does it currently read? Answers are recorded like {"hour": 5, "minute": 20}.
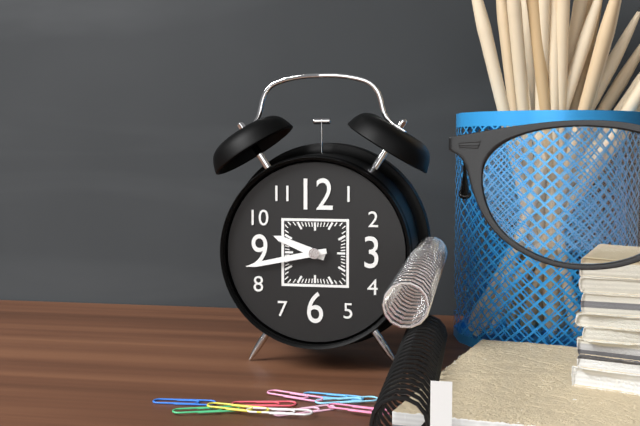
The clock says {"hour": 9, "minute": 43}
